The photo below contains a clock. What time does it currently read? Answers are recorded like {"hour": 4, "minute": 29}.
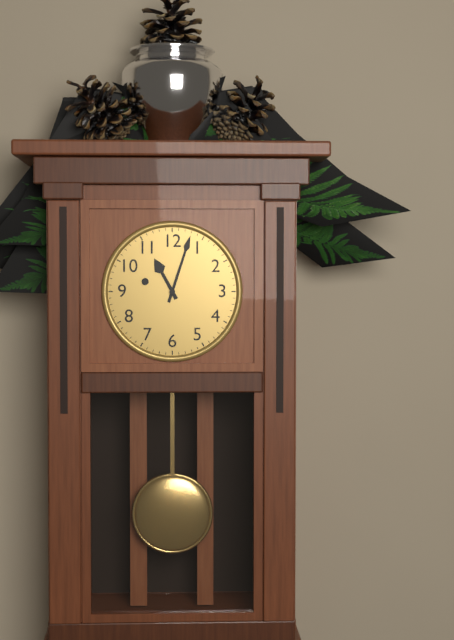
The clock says {"hour": 11, "minute": 3}
